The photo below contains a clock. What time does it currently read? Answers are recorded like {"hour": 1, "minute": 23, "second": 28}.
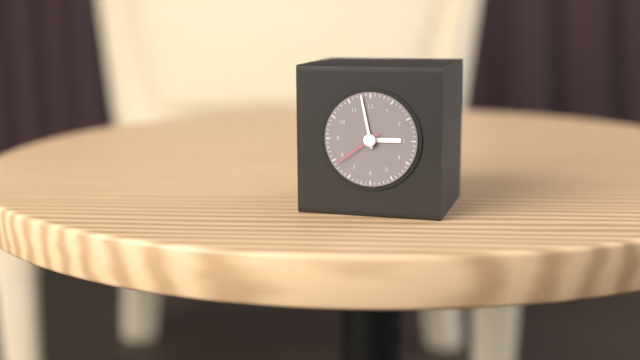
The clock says {"hour": 2, "minute": 58, "second": 39}
